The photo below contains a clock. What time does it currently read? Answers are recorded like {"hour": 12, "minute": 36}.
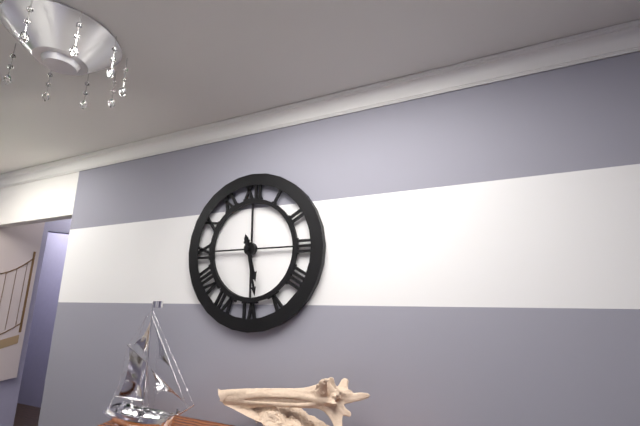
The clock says {"hour": 5, "minute": 28}
